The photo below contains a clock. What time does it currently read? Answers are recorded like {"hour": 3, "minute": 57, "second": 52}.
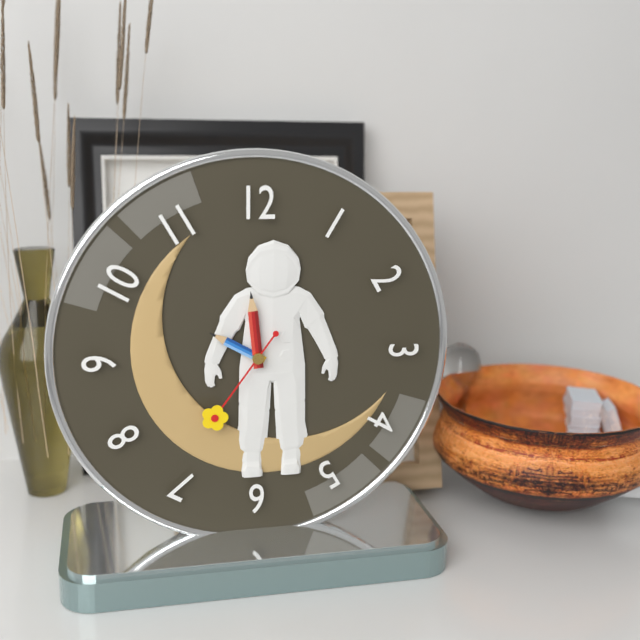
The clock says {"hour": 9, "minute": 59, "second": 36}
